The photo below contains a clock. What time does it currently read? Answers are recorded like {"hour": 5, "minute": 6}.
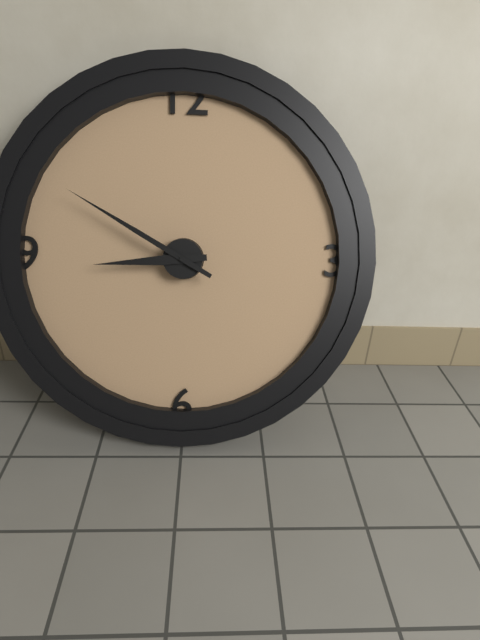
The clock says {"hour": 8, "minute": 50}
